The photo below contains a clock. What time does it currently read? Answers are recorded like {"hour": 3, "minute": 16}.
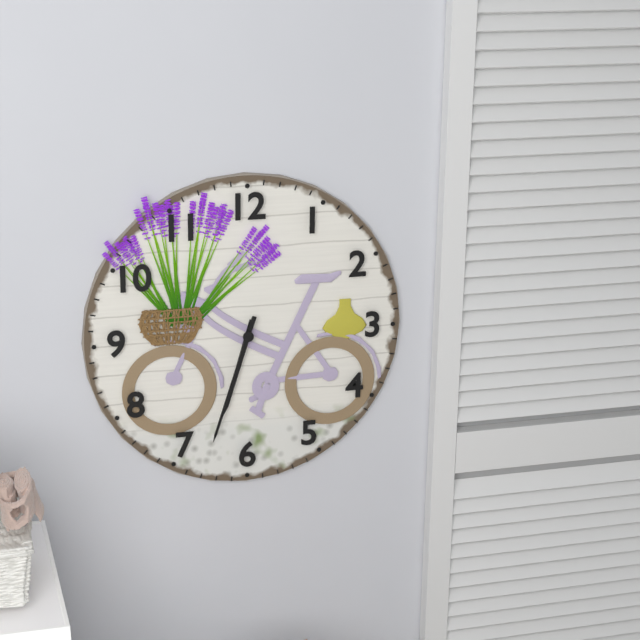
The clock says {"hour": 6, "minute": 33}
